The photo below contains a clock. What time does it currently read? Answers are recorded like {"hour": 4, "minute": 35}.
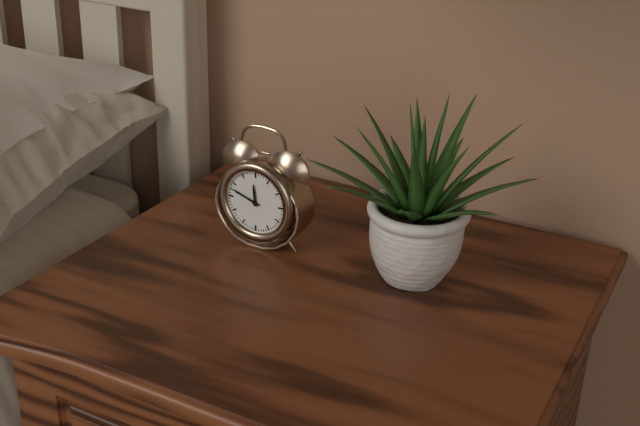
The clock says {"hour": 11, "minute": 48}
